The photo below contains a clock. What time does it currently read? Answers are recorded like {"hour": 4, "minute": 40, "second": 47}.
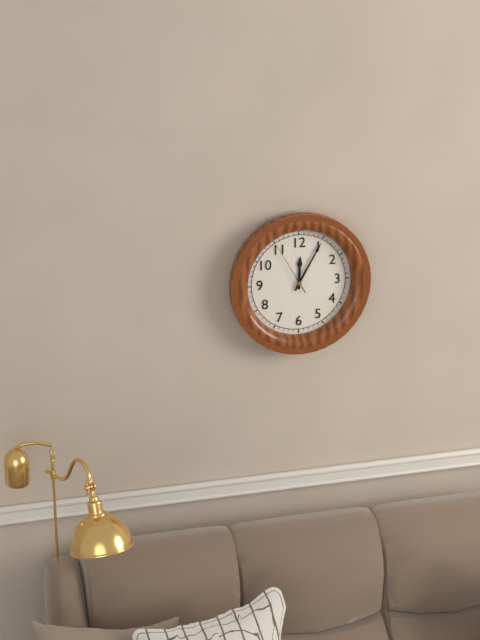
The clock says {"hour": 12, "minute": 5, "second": 55}
